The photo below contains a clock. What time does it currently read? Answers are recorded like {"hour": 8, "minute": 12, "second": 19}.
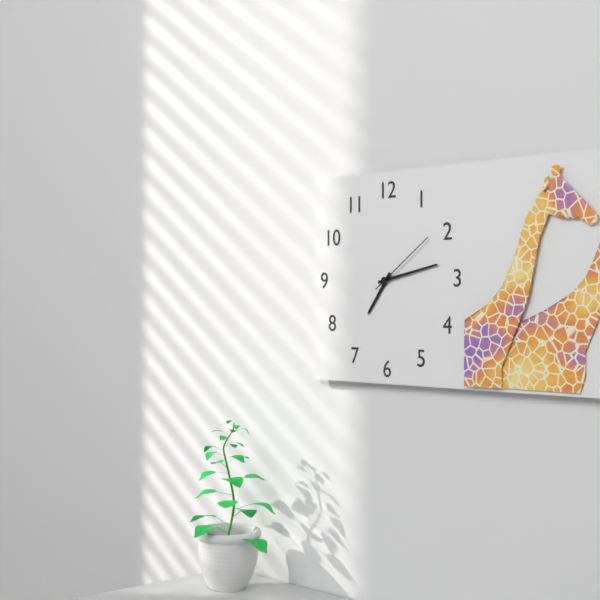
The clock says {"hour": 7, "minute": 13, "second": 9}
